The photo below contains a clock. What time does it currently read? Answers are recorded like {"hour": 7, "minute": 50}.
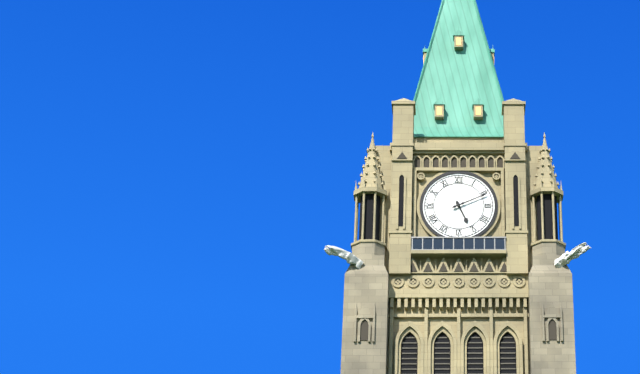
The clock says {"hour": 5, "minute": 11}
